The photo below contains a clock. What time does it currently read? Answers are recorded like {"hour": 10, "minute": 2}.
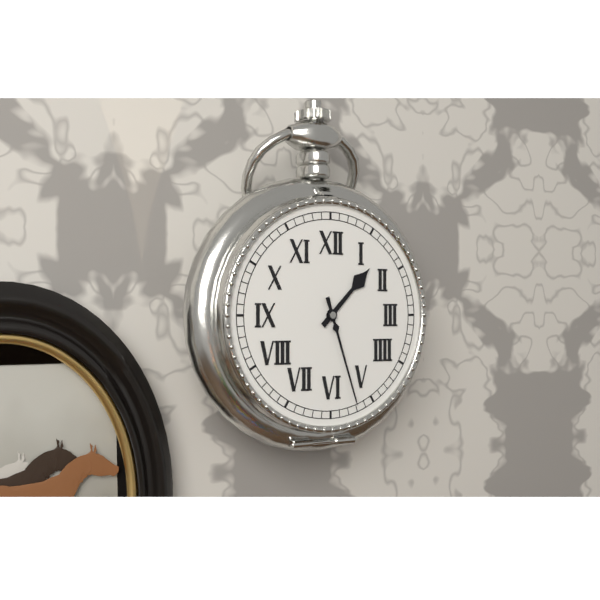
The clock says {"hour": 1, "minute": 27}
